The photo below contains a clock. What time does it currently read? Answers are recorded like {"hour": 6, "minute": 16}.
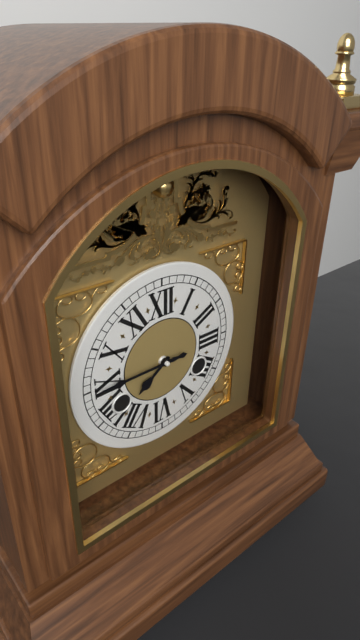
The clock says {"hour": 7, "minute": 45}
